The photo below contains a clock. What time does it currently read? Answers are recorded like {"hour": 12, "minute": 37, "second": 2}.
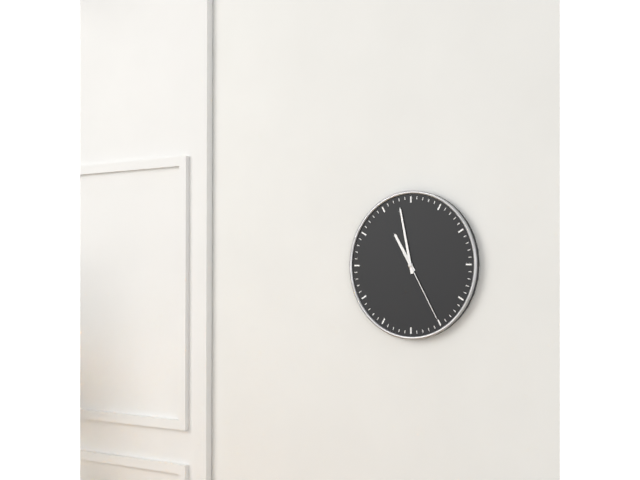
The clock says {"hour": 10, "minute": 58, "second": 25}
